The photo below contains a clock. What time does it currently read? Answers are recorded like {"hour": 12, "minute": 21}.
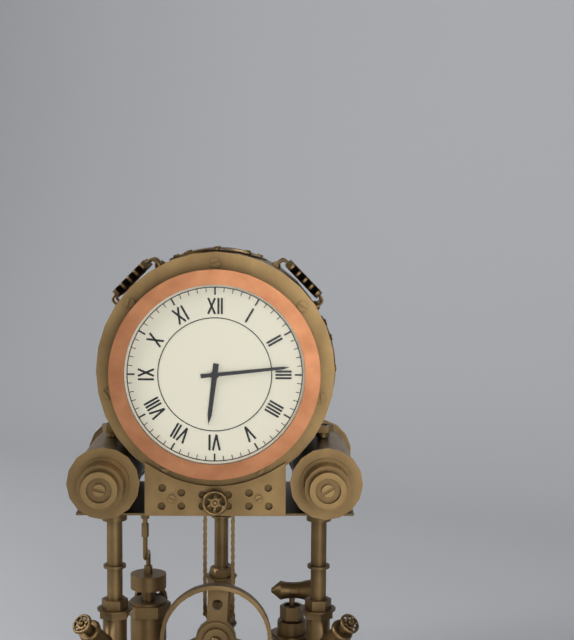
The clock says {"hour": 6, "minute": 14}
